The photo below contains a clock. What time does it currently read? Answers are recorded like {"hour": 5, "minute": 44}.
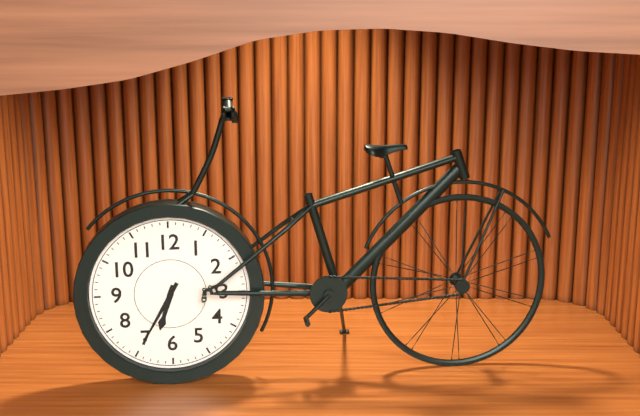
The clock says {"hour": 6, "minute": 35}
